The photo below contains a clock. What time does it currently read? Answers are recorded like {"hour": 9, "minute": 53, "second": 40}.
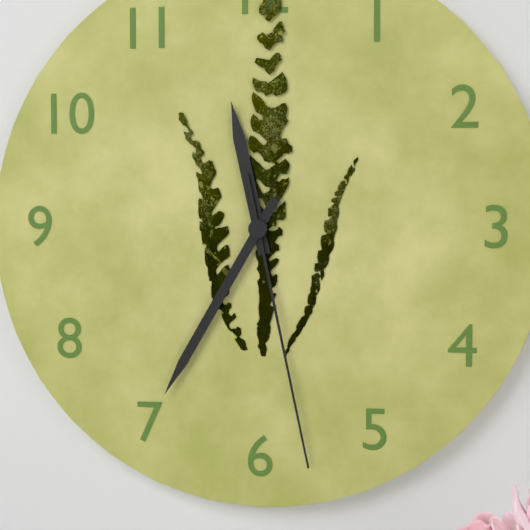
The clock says {"hour": 11, "minute": 35, "second": 28}
